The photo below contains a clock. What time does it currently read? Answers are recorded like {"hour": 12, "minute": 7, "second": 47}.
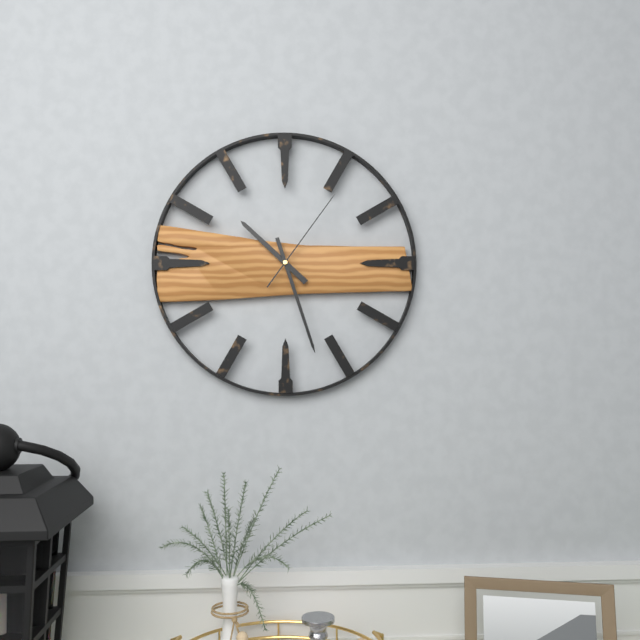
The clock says {"hour": 10, "minute": 27, "second": 6}
